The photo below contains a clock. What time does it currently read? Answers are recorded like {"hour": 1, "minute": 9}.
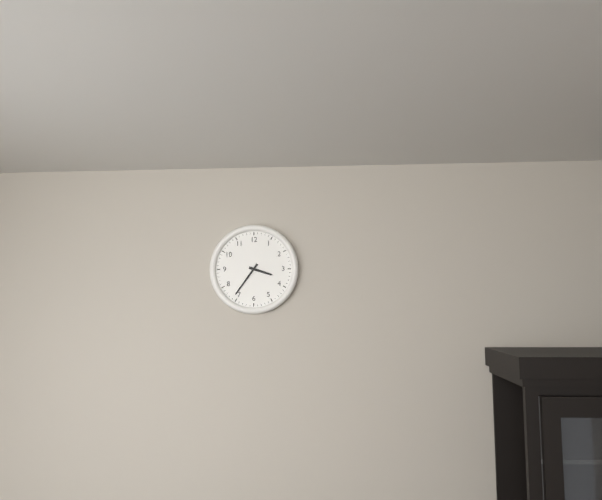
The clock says {"hour": 3, "minute": 36}
